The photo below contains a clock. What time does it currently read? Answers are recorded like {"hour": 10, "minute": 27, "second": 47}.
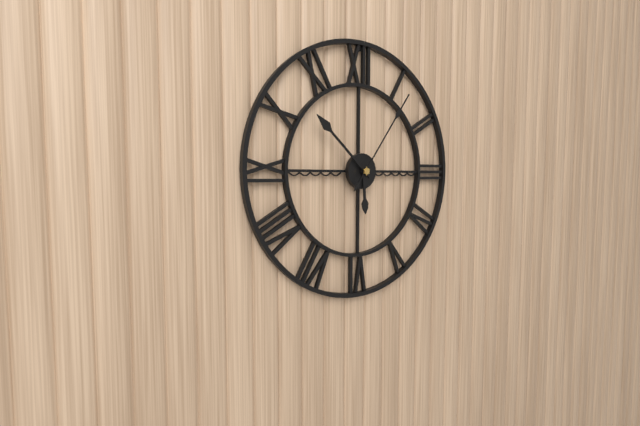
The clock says {"hour": 5, "minute": 52, "second": 6}
